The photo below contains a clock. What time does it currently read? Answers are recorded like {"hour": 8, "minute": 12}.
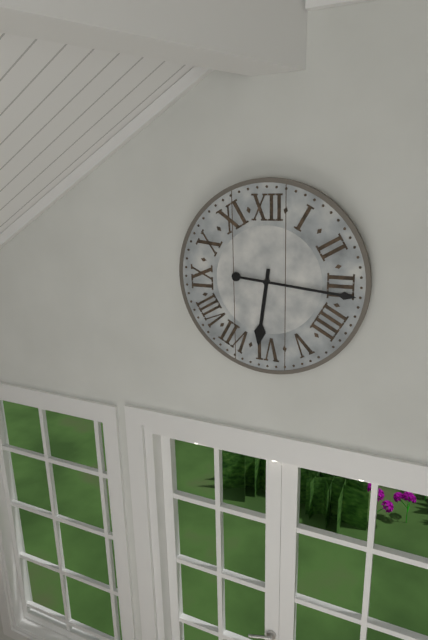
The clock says {"hour": 6, "minute": 16}
